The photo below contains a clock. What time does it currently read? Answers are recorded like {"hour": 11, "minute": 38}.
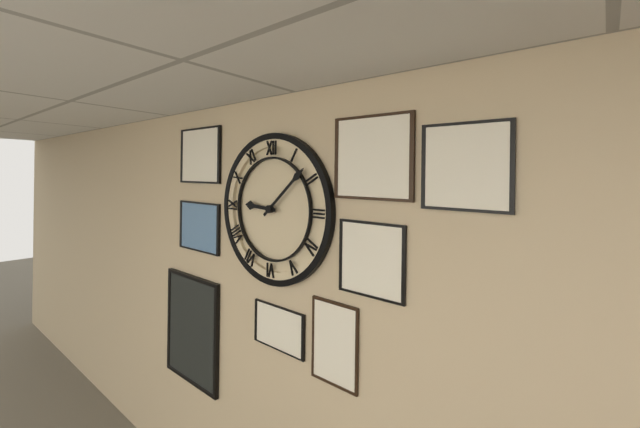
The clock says {"hour": 9, "minute": 8}
